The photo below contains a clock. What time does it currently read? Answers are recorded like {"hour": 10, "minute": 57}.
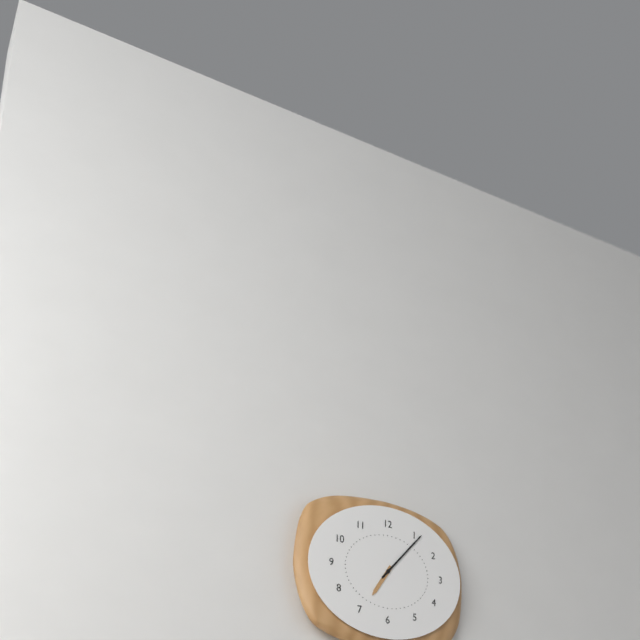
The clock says {"hour": 7, "minute": 7}
